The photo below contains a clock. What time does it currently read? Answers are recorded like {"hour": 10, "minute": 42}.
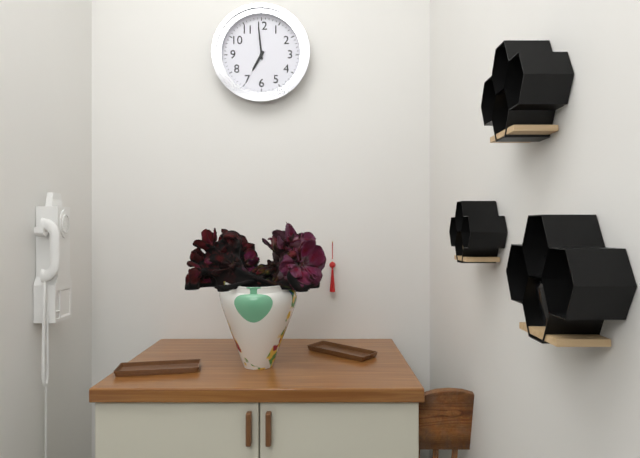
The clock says {"hour": 6, "minute": 59}
